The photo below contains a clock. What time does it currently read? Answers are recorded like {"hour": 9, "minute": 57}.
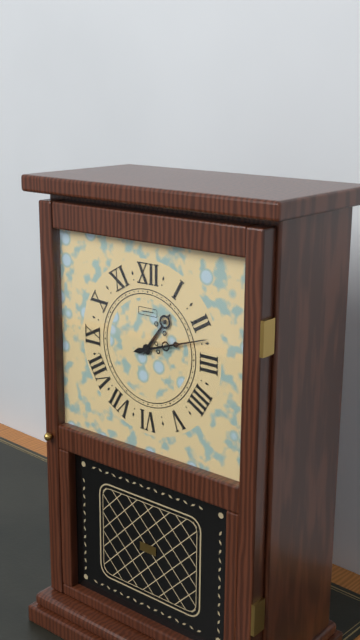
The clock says {"hour": 1, "minute": 12}
